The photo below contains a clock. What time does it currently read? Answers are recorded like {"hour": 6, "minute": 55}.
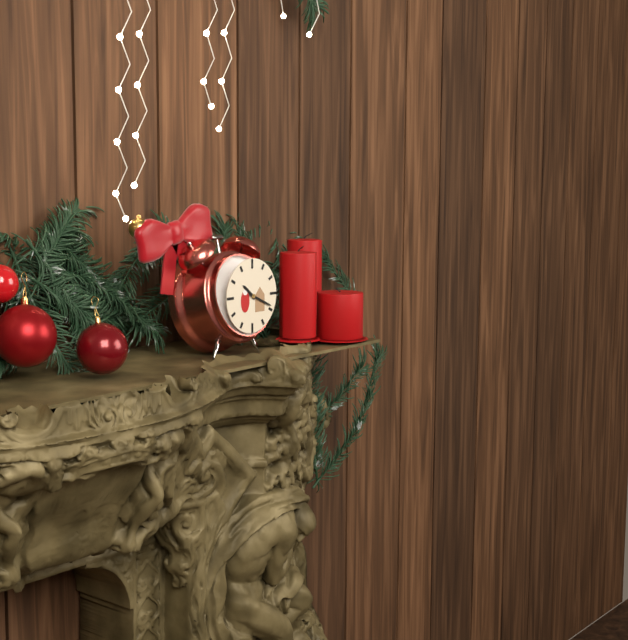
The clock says {"hour": 10, "minute": 19}
